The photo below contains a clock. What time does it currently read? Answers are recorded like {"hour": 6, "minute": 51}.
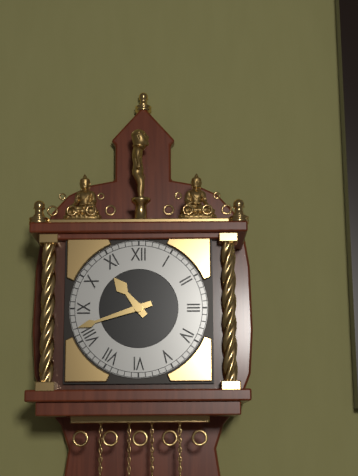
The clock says {"hour": 10, "minute": 42}
